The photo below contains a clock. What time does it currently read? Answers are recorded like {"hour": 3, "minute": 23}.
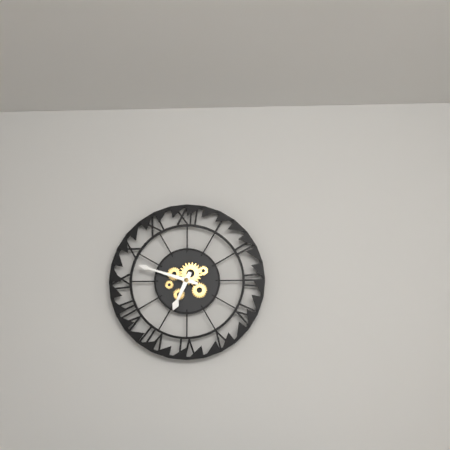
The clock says {"hour": 6, "minute": 48}
